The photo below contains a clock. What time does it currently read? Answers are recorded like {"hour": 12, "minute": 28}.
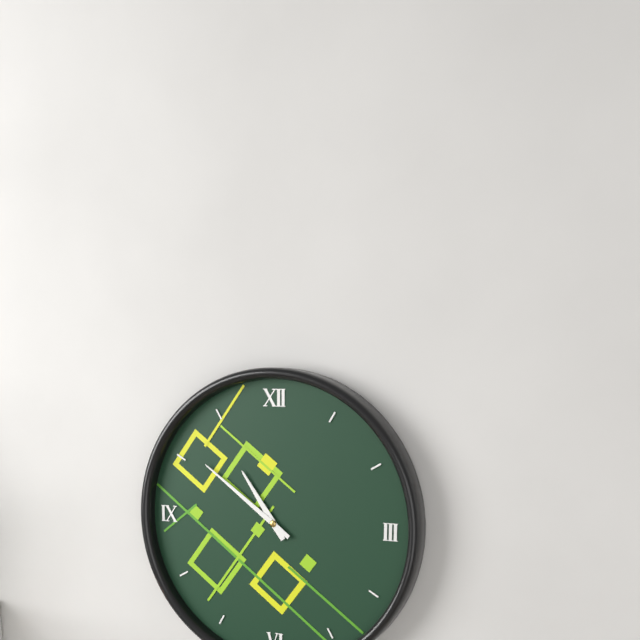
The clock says {"hour": 10, "minute": 51}
